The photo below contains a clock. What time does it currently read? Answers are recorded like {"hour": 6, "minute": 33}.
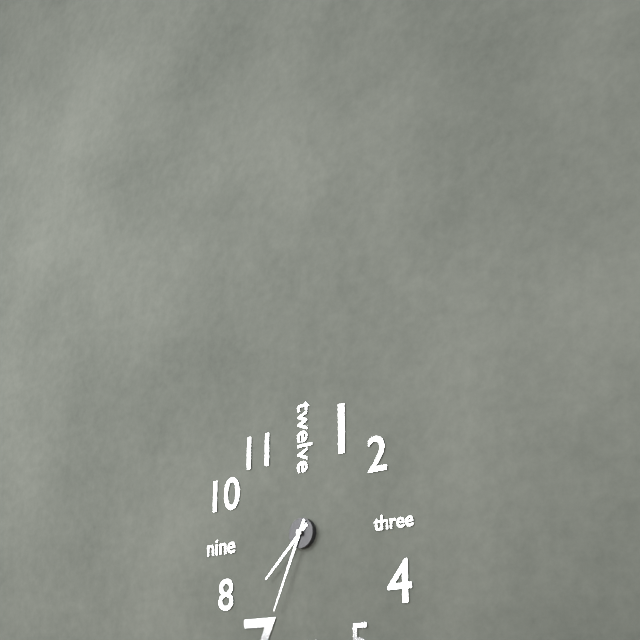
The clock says {"hour": 7, "minute": 34}
